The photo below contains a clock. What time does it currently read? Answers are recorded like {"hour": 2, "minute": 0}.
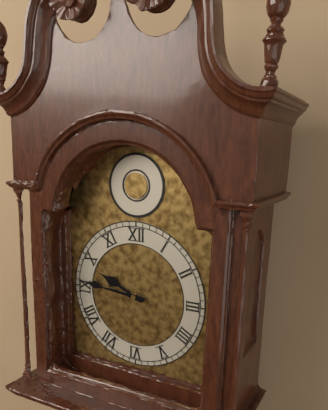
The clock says {"hour": 9, "minute": 46}
